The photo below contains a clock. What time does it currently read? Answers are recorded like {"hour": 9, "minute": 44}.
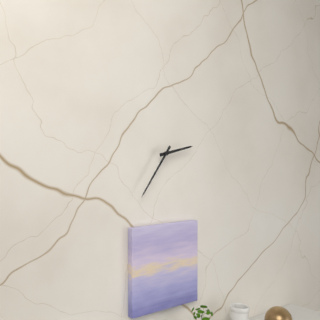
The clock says {"hour": 2, "minute": 36}
